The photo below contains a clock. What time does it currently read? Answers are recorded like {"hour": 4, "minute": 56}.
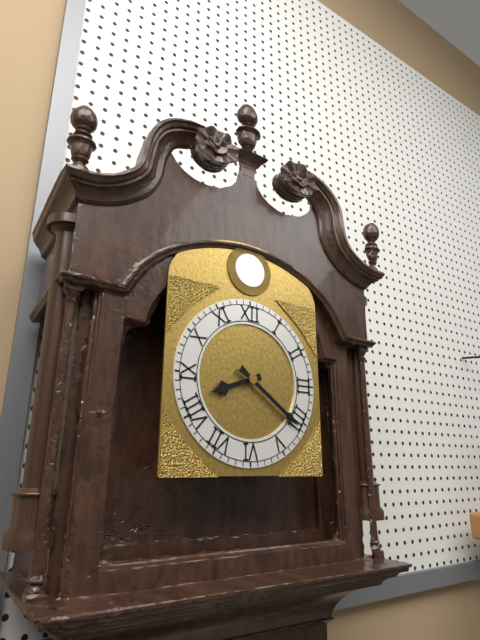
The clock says {"hour": 8, "minute": 21}
